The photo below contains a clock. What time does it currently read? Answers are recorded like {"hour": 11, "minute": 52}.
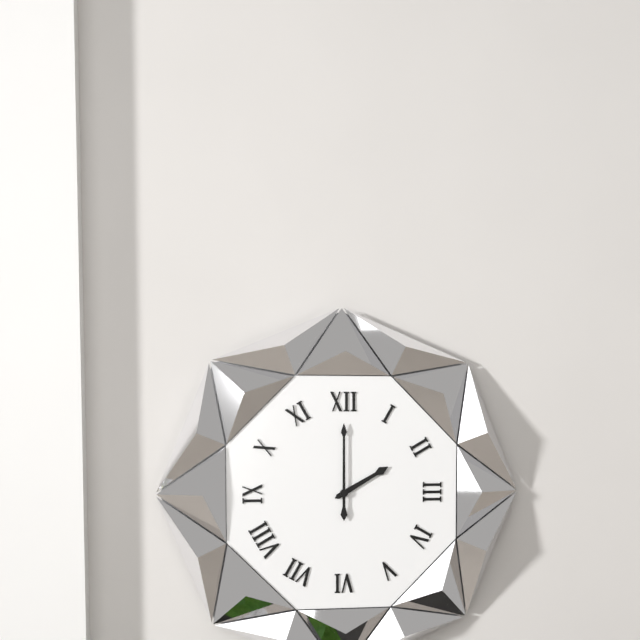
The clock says {"hour": 2, "minute": 0}
